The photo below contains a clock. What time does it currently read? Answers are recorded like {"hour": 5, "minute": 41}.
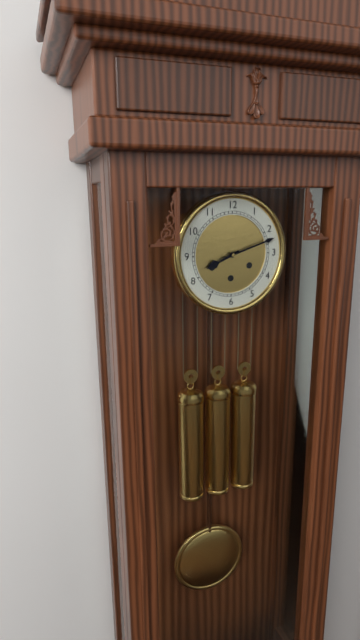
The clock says {"hour": 8, "minute": 12}
